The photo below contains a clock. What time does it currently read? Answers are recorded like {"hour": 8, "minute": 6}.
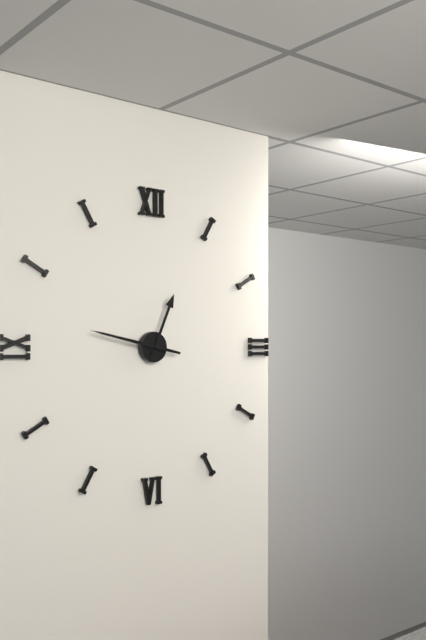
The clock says {"hour": 12, "minute": 47}
